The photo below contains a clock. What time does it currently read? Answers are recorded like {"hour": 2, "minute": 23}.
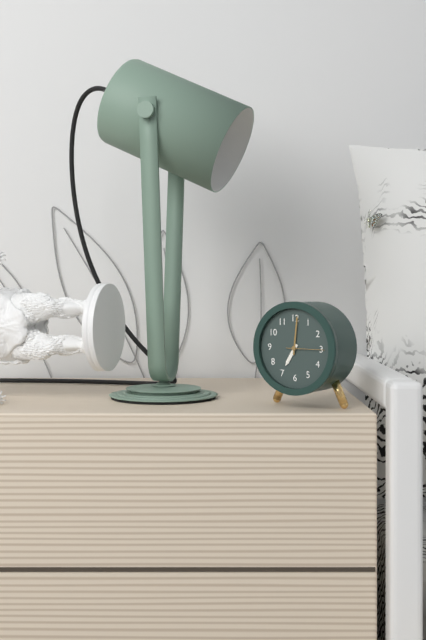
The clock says {"hour": 7, "minute": 1}
